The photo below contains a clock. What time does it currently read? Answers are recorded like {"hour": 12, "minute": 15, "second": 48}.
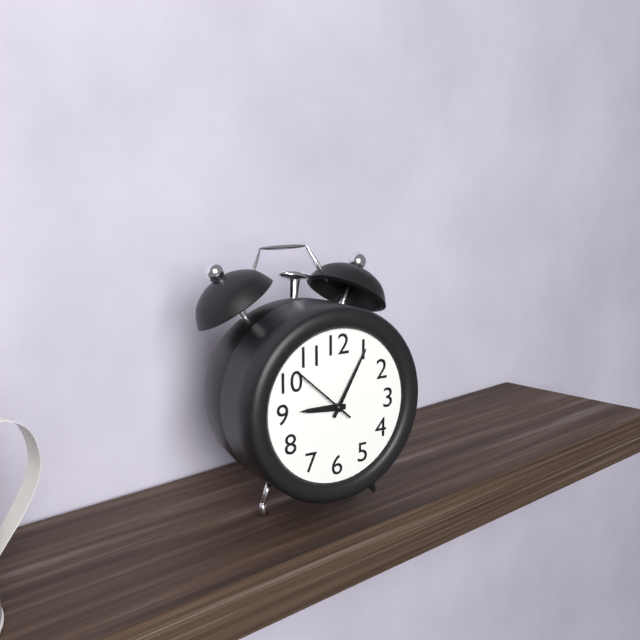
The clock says {"hour": 9, "minute": 5, "second": 52}
